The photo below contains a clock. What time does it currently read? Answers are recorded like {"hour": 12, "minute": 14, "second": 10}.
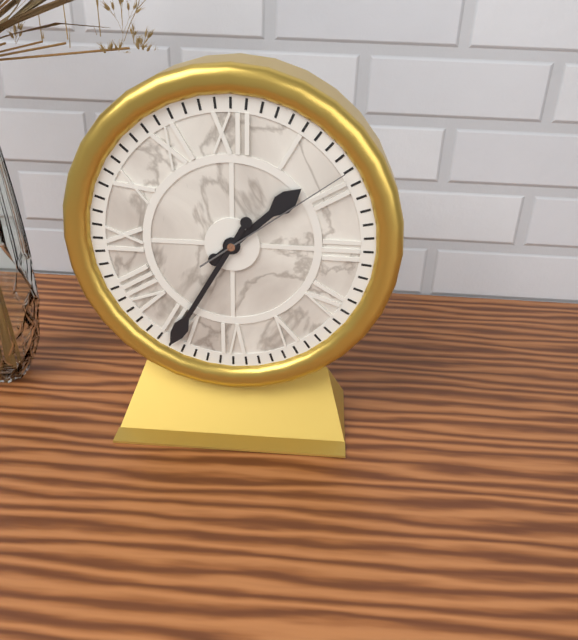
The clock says {"hour": 1, "minute": 35, "second": 9}
